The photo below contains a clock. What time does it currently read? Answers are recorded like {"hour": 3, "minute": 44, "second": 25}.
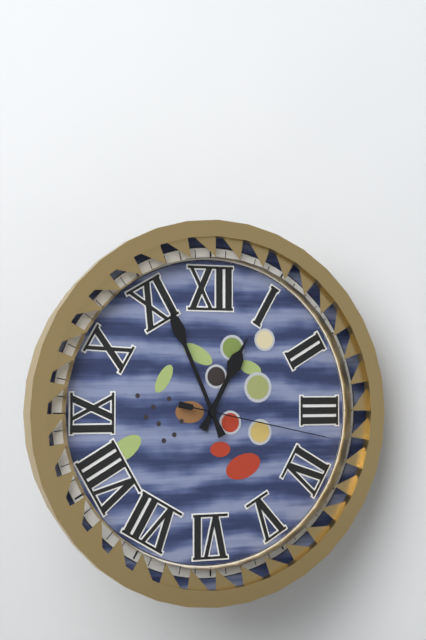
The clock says {"hour": 12, "minute": 56, "second": 17}
